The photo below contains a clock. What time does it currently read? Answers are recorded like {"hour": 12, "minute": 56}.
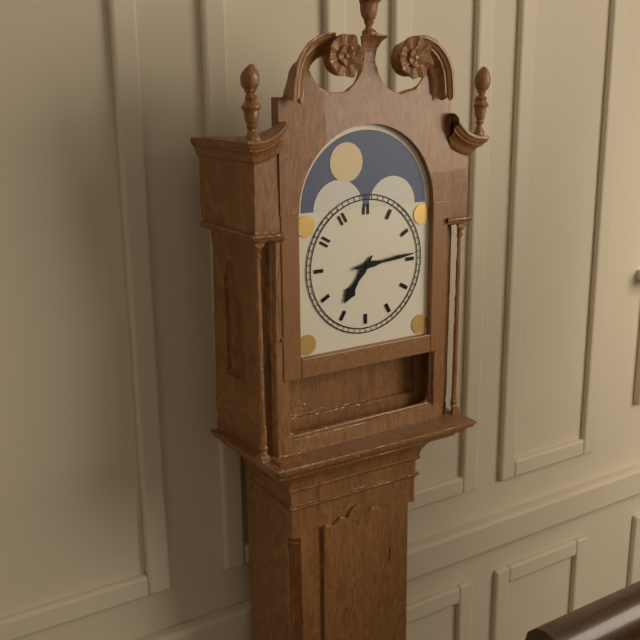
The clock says {"hour": 7, "minute": 14}
